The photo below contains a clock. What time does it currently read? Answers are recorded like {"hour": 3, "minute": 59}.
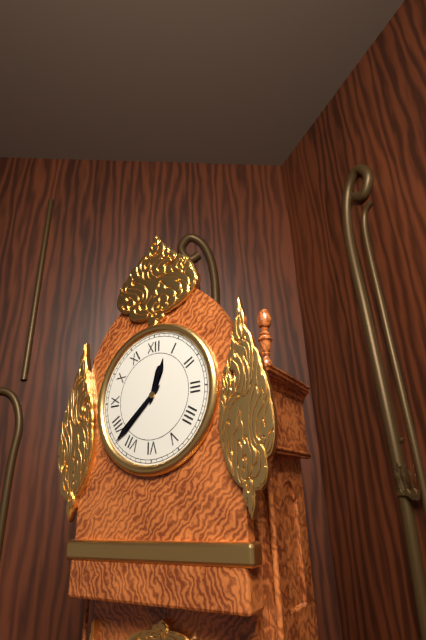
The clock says {"hour": 12, "minute": 38}
